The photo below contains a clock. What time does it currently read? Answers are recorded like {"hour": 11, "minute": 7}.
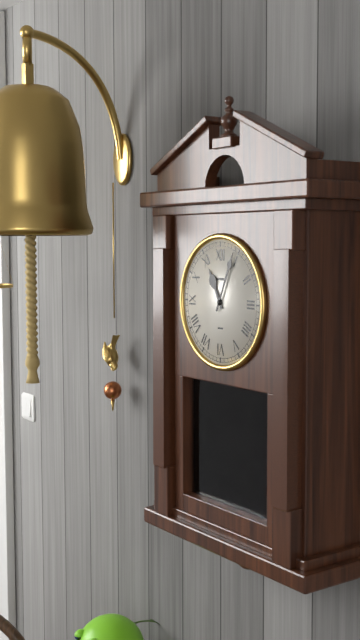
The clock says {"hour": 11, "minute": 4}
